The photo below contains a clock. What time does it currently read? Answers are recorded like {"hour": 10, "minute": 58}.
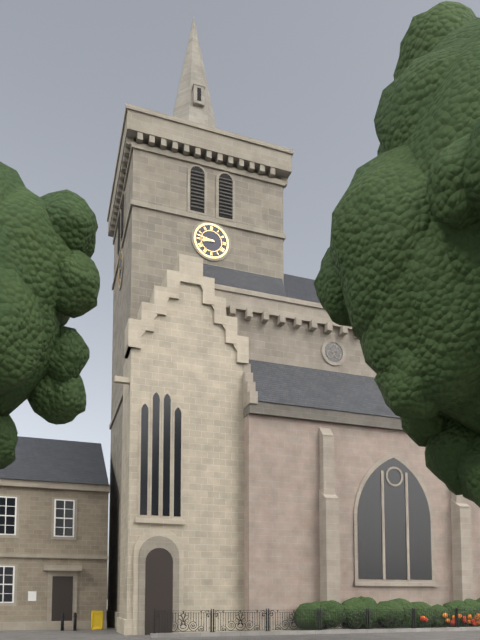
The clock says {"hour": 8, "minute": 47}
